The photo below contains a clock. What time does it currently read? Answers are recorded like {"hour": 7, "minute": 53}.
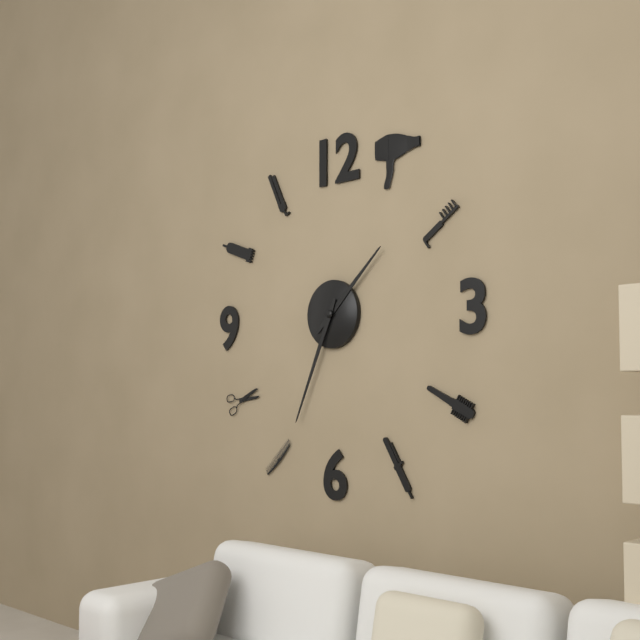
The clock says {"hour": 1, "minute": 34}
